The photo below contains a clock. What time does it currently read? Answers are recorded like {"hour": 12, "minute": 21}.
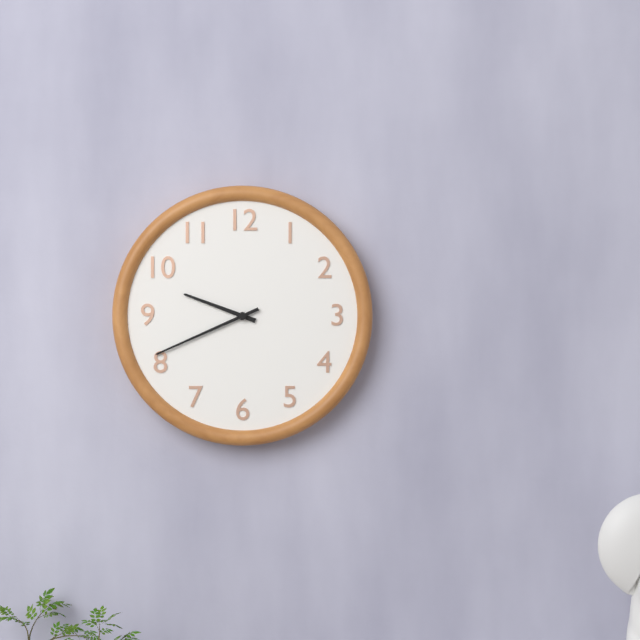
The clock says {"hour": 9, "minute": 41}
